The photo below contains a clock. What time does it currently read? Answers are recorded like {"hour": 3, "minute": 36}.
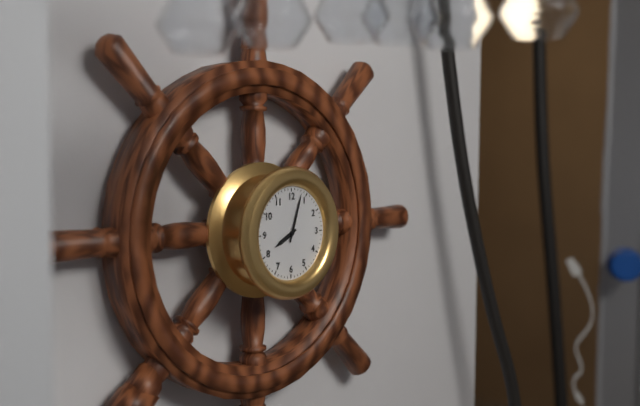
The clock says {"hour": 8, "minute": 3}
